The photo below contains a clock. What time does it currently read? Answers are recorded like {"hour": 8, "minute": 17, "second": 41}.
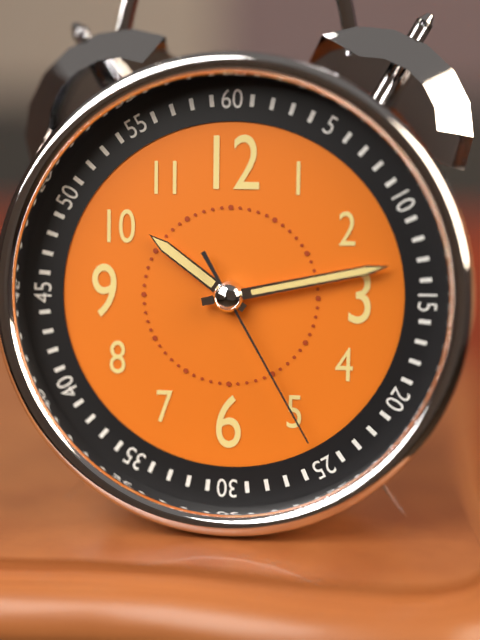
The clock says {"hour": 10, "minute": 13, "second": 25}
